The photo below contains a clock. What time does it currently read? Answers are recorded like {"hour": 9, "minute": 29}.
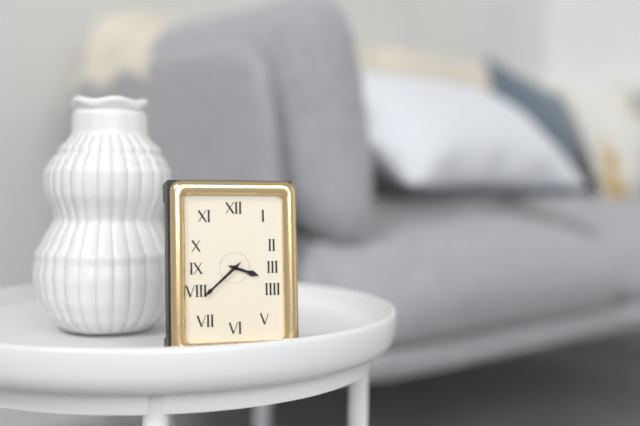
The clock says {"hour": 3, "minute": 38}
